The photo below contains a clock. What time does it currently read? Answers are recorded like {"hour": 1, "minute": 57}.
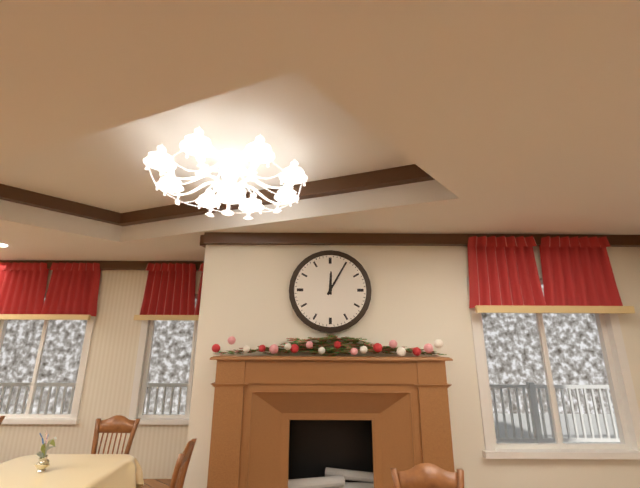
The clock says {"hour": 12, "minute": 5}
